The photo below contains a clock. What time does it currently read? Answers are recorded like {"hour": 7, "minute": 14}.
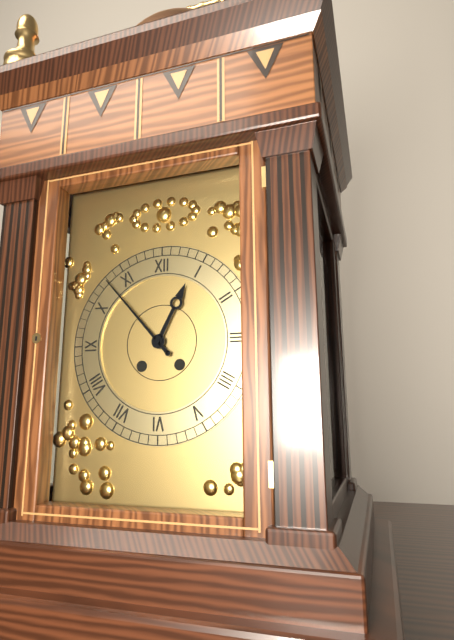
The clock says {"hour": 12, "minute": 53}
